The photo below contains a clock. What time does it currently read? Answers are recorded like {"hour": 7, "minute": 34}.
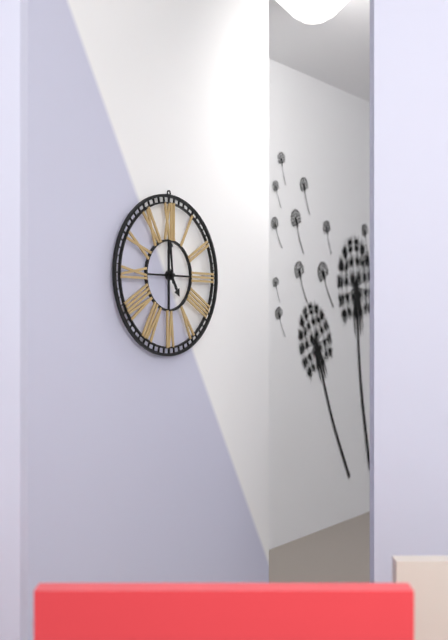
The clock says {"hour": 4, "minute": 59}
